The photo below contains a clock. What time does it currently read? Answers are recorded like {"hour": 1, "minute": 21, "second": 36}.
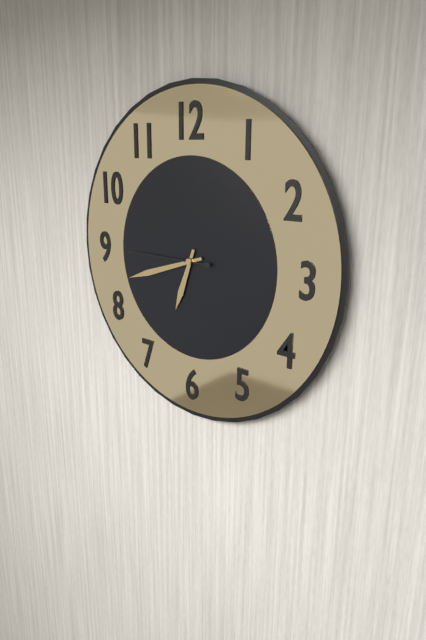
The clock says {"hour": 6, "minute": 42, "second": 45}
